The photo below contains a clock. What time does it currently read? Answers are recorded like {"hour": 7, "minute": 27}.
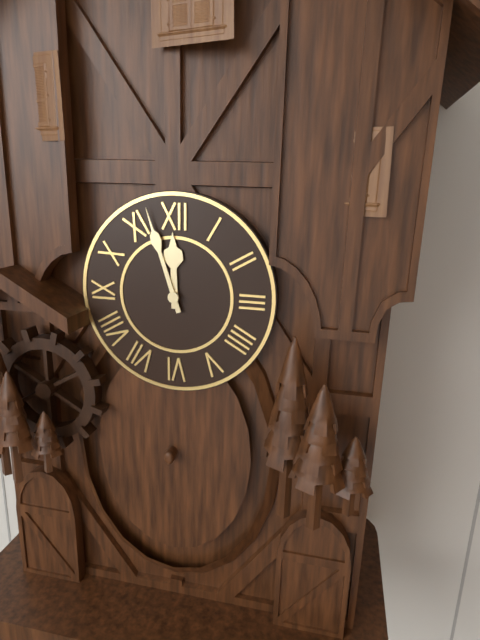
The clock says {"hour": 11, "minute": 57}
